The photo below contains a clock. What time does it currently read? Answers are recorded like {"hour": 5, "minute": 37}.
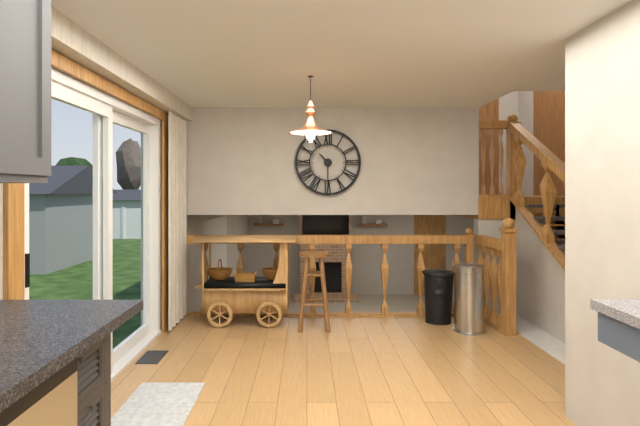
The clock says {"hour": 10, "minute": 30}
